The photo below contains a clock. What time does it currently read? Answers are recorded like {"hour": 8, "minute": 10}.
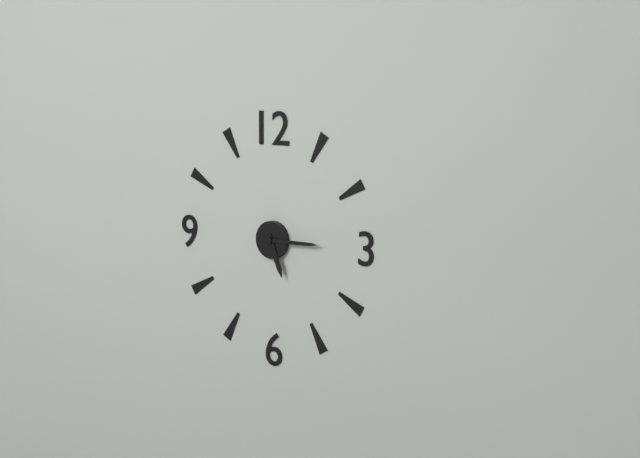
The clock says {"hour": 5, "minute": 15}
